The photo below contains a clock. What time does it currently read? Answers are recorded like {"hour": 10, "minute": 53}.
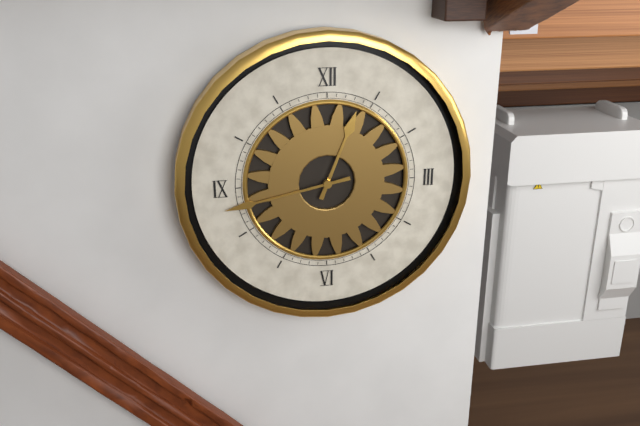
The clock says {"hour": 12, "minute": 43}
